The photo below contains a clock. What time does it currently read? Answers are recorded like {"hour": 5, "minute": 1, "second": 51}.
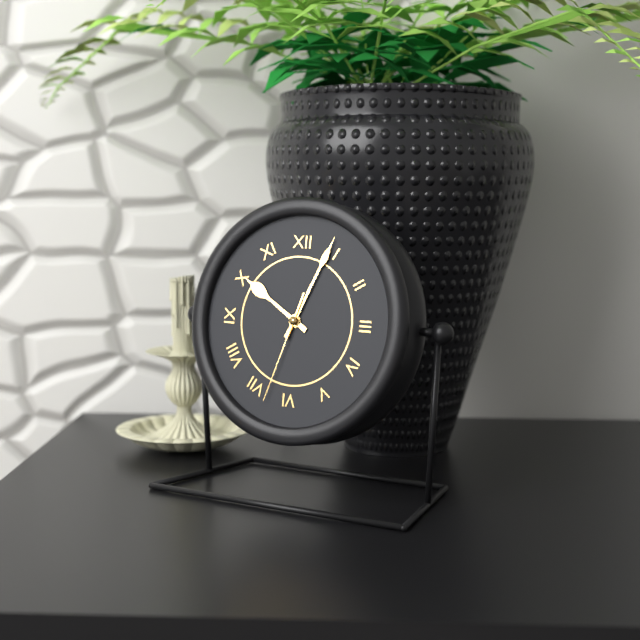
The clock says {"hour": 10, "minute": 4, "second": 33}
